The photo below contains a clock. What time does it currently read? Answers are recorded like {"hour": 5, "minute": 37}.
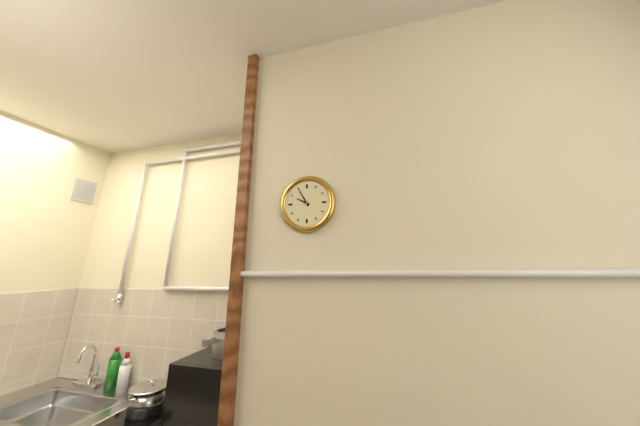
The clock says {"hour": 9, "minute": 55}
